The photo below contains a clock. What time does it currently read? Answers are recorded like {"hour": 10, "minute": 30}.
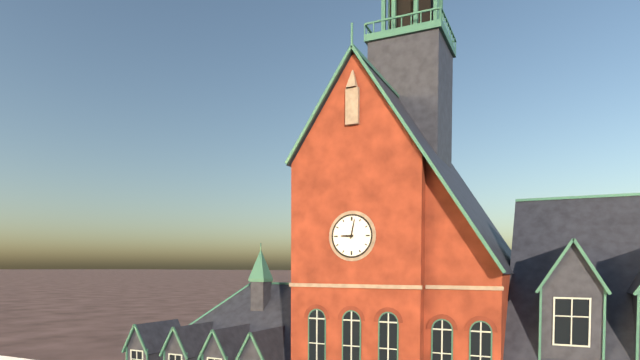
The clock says {"hour": 9, "minute": 2}
